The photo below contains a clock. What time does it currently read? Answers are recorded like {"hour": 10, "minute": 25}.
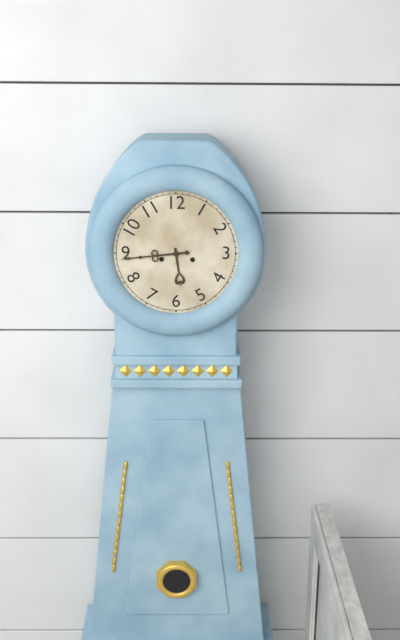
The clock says {"hour": 5, "minute": 44}
